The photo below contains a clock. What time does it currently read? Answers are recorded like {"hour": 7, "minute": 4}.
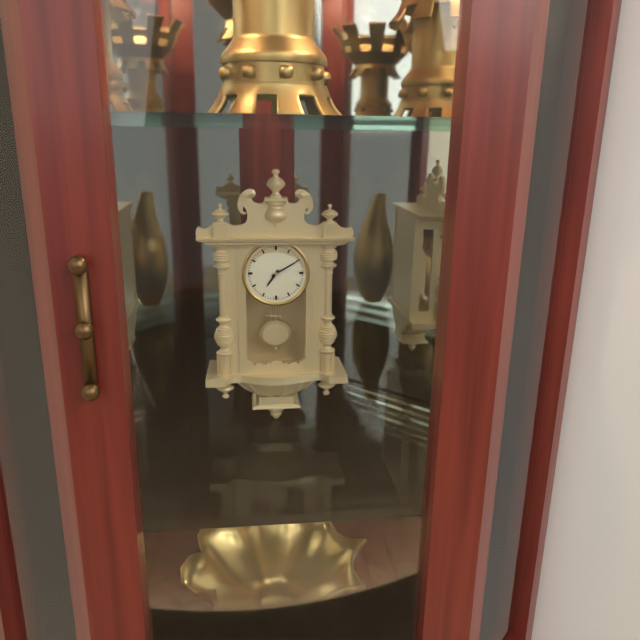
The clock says {"hour": 7, "minute": 10}
